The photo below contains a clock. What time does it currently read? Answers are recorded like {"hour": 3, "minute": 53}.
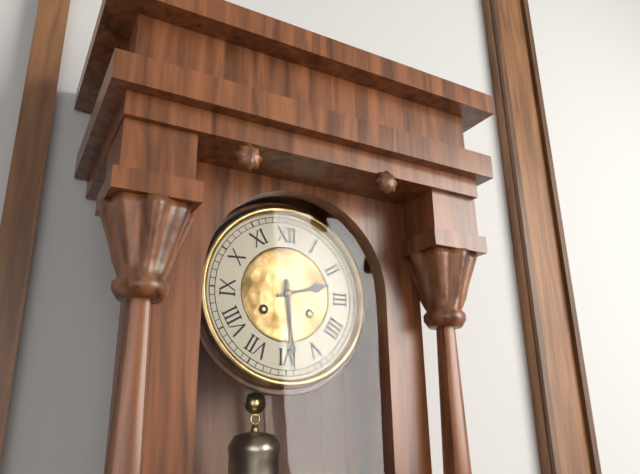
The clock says {"hour": 2, "minute": 29}
